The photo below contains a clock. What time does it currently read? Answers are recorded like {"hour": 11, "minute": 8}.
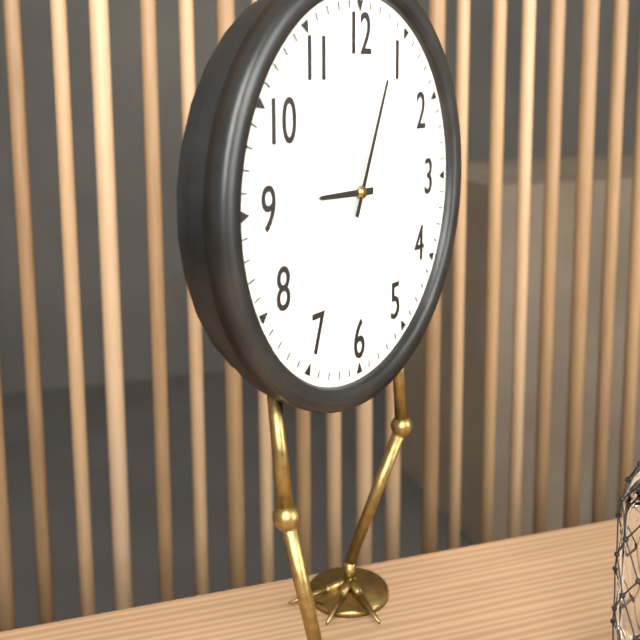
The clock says {"hour": 9, "minute": 4}
